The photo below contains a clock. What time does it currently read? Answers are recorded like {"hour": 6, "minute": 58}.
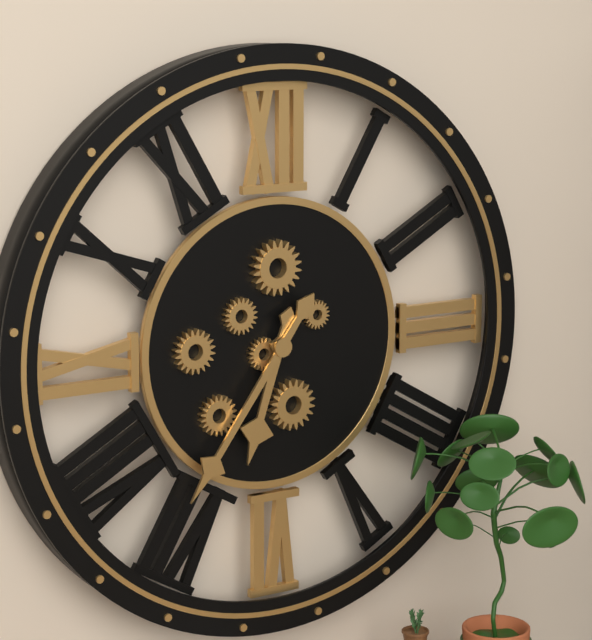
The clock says {"hour": 6, "minute": 36}
